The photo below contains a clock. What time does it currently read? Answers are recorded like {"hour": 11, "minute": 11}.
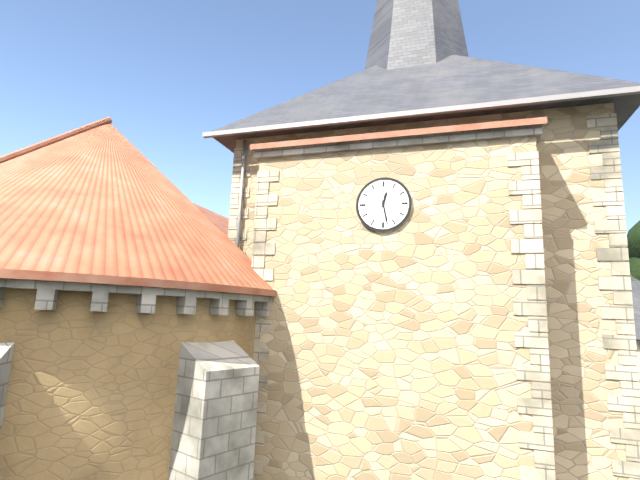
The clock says {"hour": 12, "minute": 28}
